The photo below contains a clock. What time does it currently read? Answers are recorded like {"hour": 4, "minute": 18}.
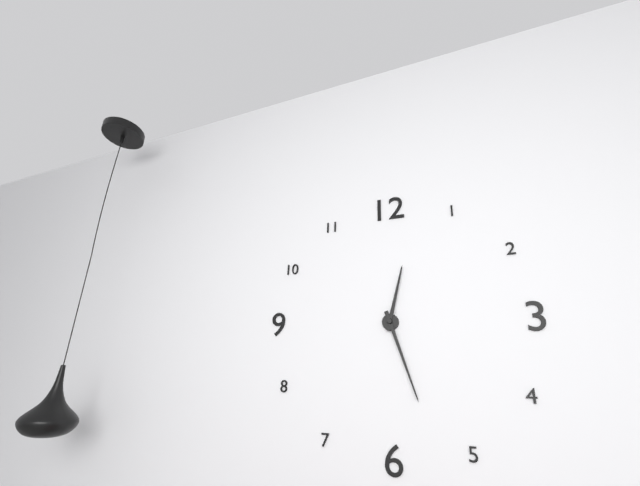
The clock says {"hour": 12, "minute": 27}
